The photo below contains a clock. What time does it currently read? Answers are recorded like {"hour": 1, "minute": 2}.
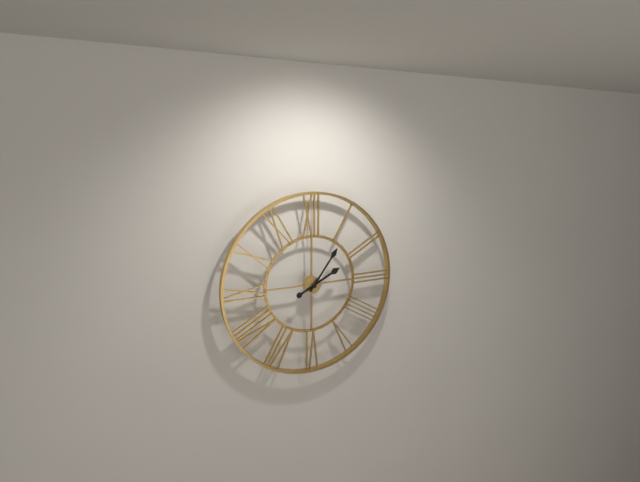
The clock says {"hour": 2, "minute": 6}
